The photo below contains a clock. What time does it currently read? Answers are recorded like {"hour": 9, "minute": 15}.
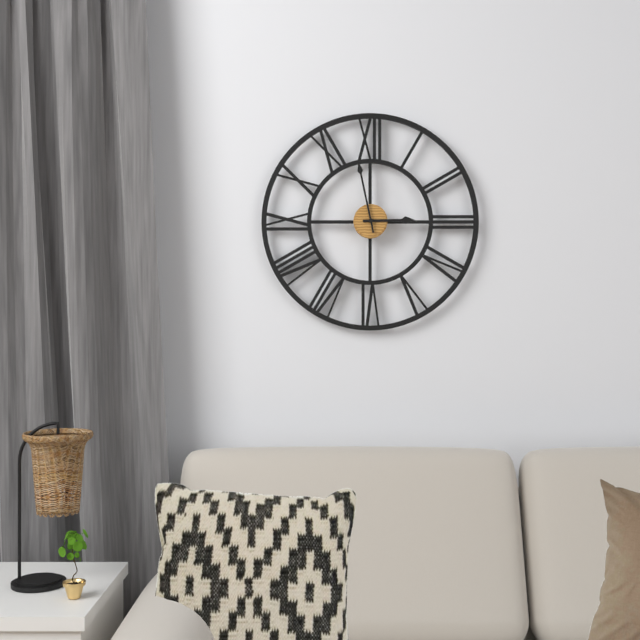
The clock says {"hour": 2, "minute": 58}
